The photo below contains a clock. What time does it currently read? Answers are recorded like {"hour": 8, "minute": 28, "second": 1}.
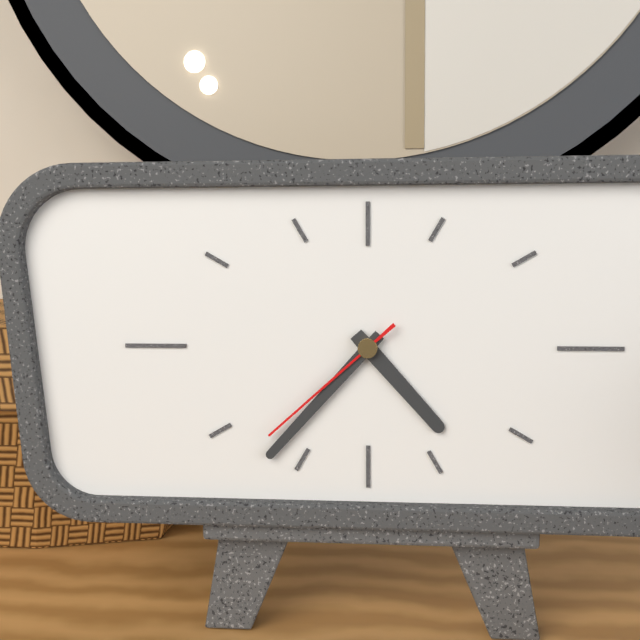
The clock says {"hour": 4, "minute": 37, "second": 38}
